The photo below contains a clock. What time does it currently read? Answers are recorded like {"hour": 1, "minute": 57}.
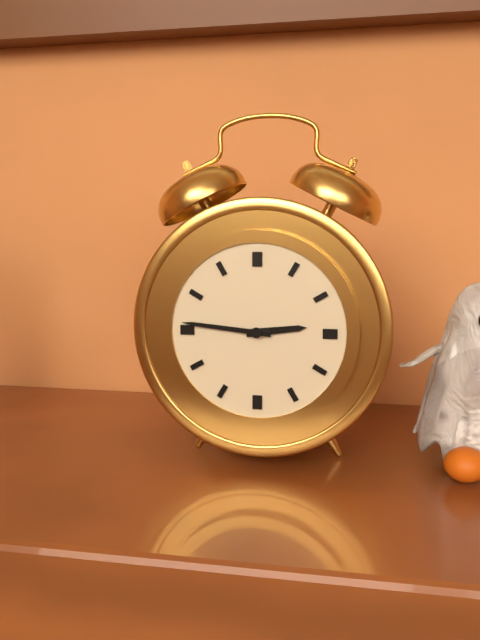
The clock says {"hour": 2, "minute": 46}
